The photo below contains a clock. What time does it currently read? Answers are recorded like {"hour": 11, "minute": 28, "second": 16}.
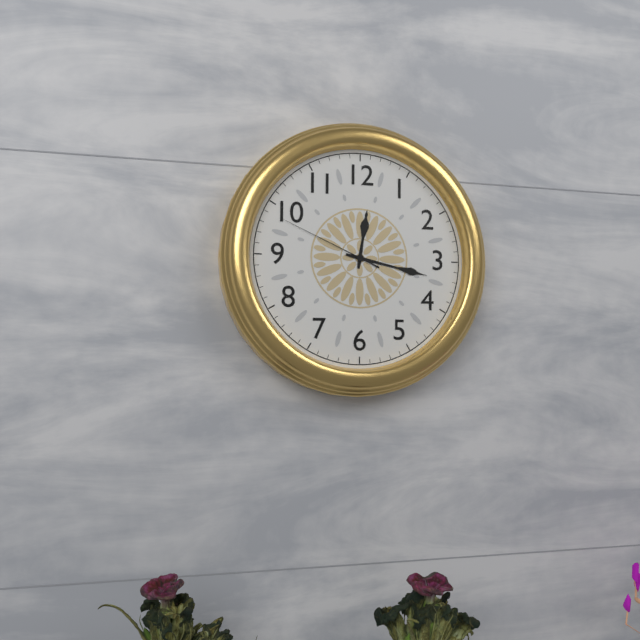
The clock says {"hour": 12, "minute": 17, "second": 49}
